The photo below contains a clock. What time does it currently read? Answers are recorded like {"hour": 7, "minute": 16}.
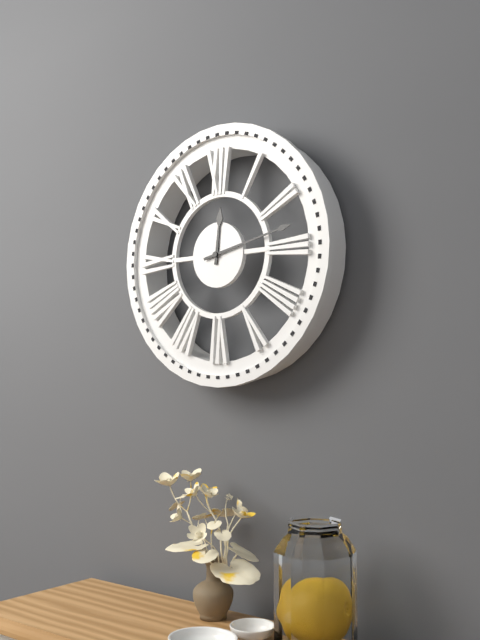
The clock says {"hour": 12, "minute": 13}
